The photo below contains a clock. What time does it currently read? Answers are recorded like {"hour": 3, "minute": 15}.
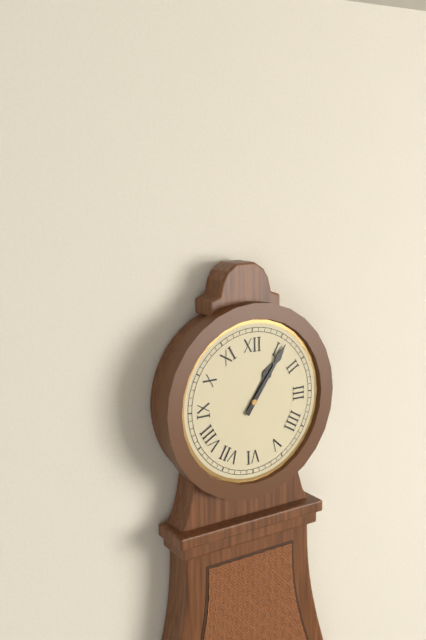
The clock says {"hour": 1, "minute": 6}
